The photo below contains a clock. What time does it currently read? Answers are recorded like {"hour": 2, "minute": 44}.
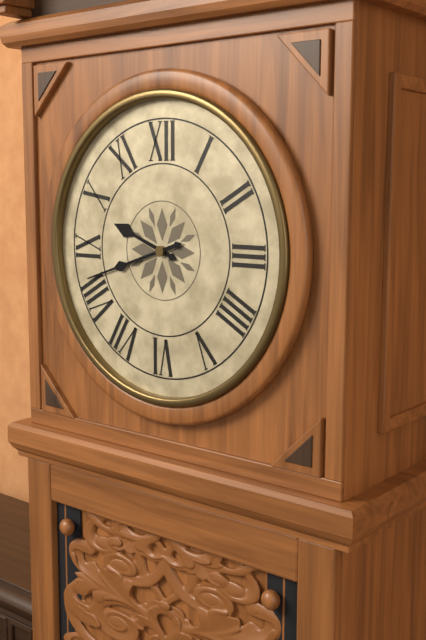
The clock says {"hour": 9, "minute": 42}
